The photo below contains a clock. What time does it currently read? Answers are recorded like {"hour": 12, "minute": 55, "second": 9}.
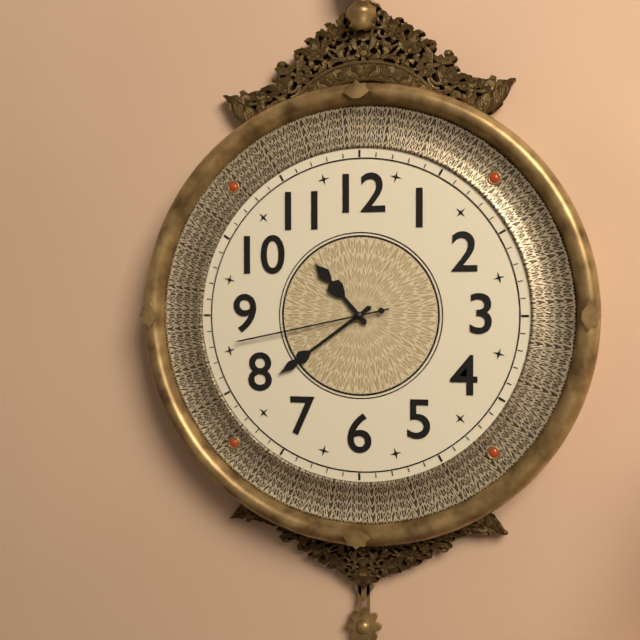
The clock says {"hour": 10, "minute": 39, "second": 43}
